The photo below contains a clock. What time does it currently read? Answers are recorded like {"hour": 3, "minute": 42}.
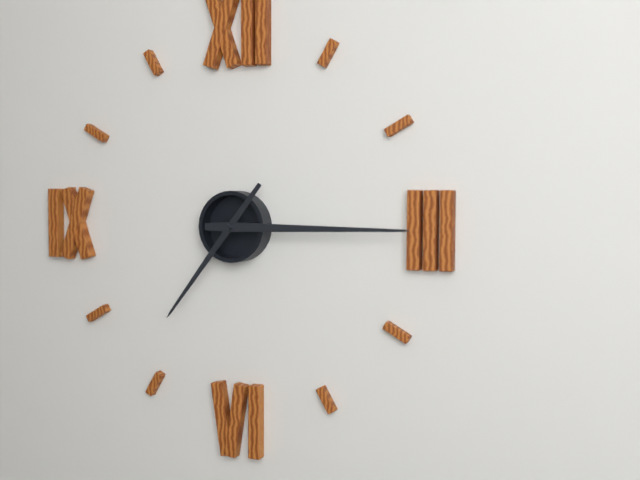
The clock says {"hour": 7, "minute": 15}
